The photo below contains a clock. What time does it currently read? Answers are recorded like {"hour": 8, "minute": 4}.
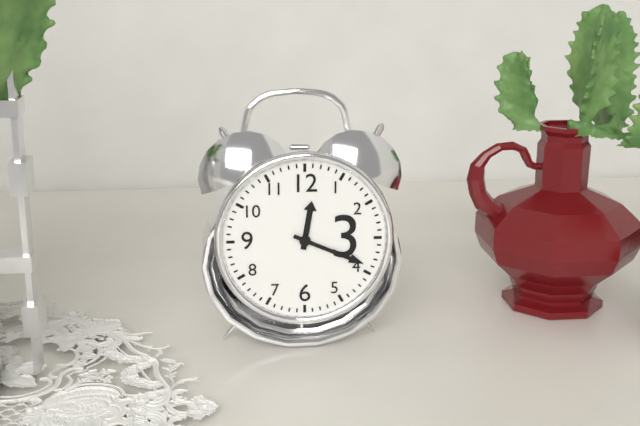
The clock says {"hour": 12, "minute": 19}
